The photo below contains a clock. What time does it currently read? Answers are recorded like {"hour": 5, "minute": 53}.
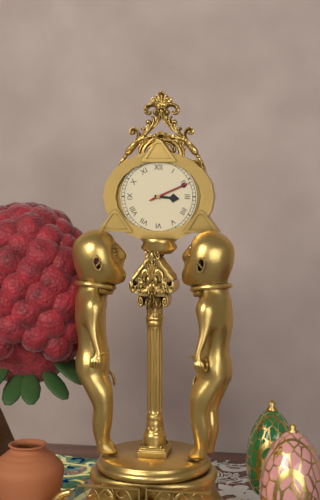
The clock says {"hour": 3, "minute": 11}
